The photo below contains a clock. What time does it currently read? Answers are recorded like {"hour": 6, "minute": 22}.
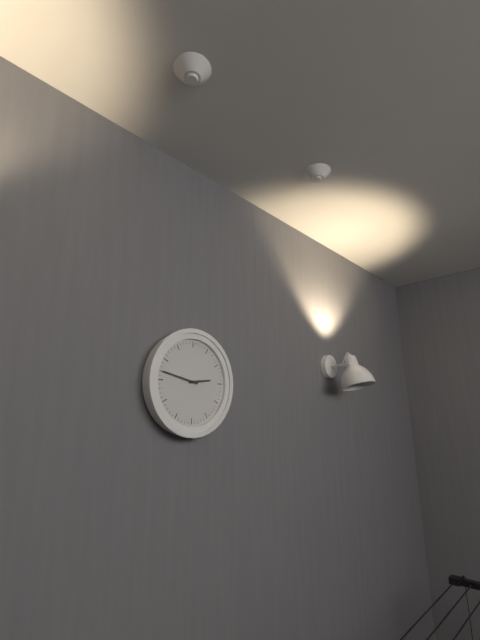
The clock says {"hour": 2, "minute": 47}
